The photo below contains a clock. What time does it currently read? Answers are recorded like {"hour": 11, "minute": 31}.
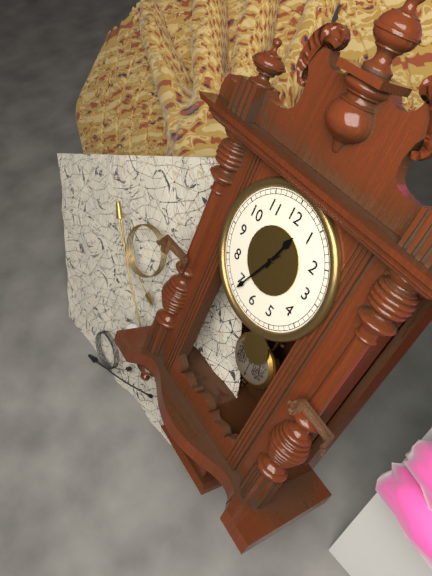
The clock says {"hour": 12, "minute": 34}
